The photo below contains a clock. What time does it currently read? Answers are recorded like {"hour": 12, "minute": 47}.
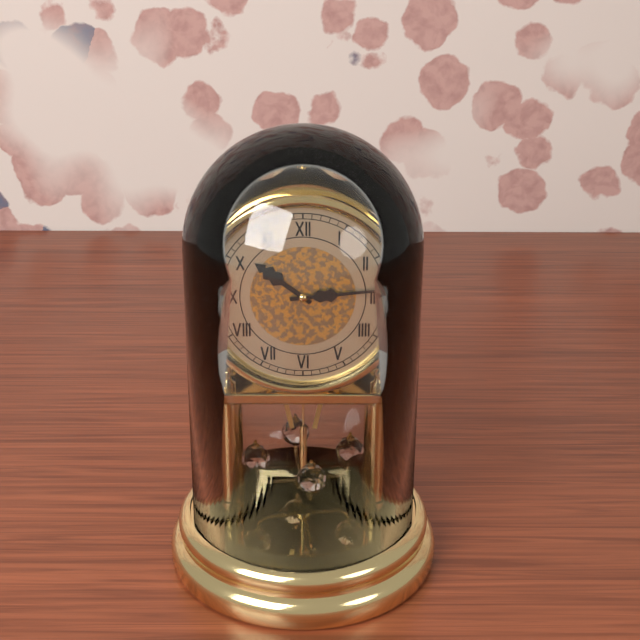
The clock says {"hour": 10, "minute": 14}
